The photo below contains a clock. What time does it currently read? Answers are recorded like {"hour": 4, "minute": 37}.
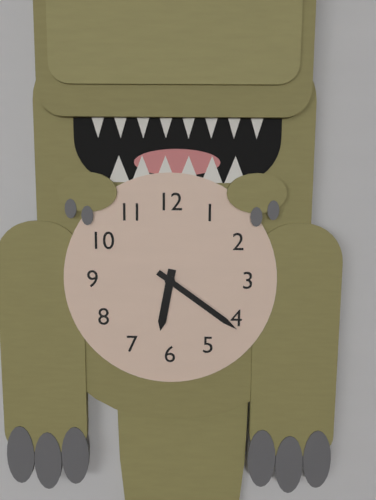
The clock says {"hour": 6, "minute": 21}
